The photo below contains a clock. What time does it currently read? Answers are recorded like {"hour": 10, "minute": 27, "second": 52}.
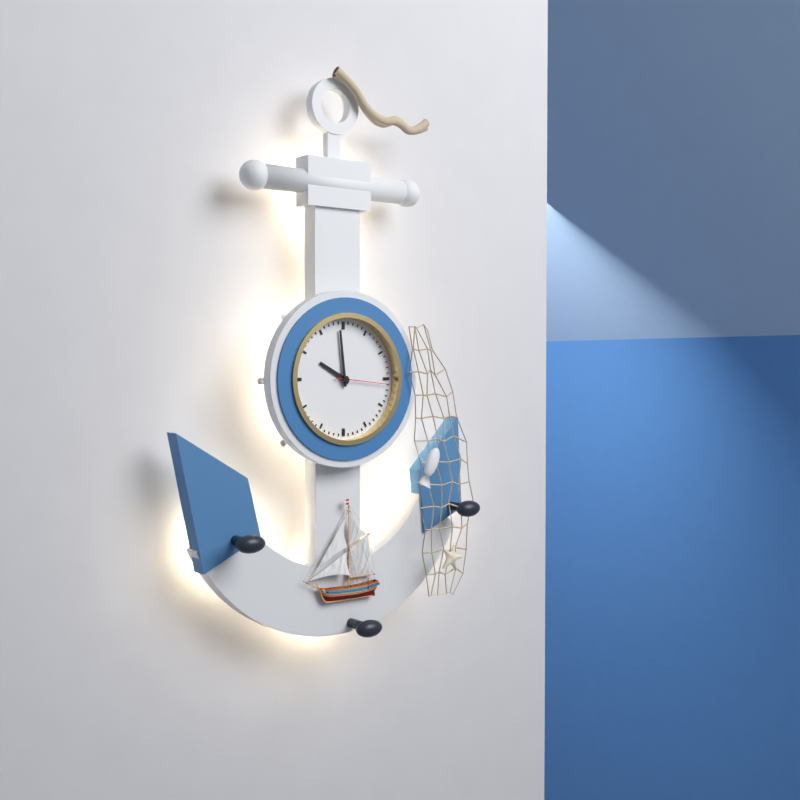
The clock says {"hour": 9, "minute": 59, "second": 16}
